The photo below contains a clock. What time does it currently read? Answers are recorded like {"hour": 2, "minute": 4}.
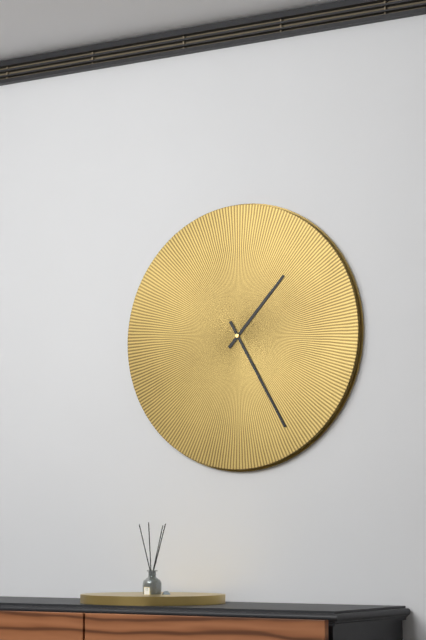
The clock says {"hour": 1, "minute": 25}
